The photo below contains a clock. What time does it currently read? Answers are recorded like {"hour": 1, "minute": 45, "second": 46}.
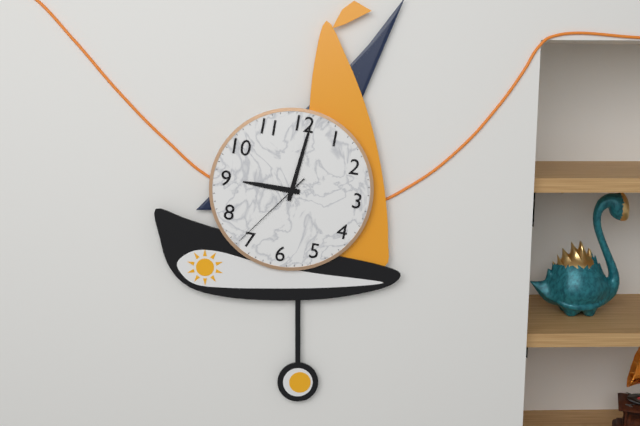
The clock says {"hour": 9, "minute": 1, "second": 36}
